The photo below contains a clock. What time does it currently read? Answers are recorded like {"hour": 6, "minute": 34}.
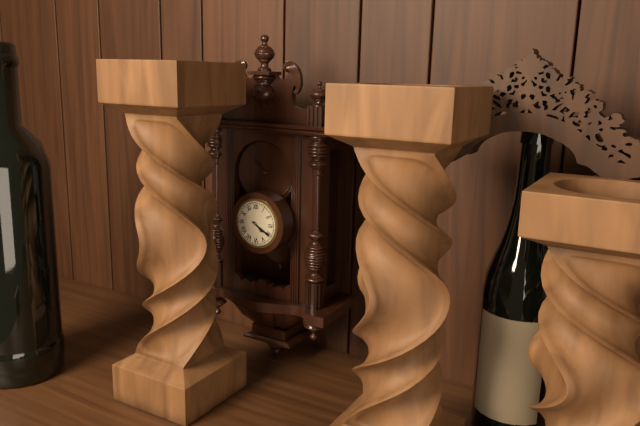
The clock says {"hour": 4, "minute": 20}
